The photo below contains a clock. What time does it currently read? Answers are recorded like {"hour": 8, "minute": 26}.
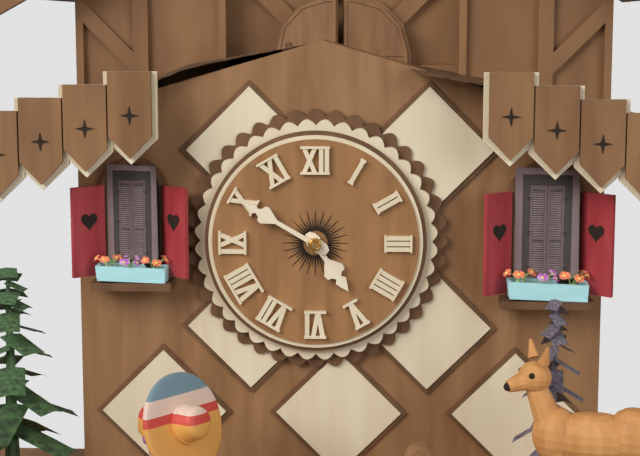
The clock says {"hour": 4, "minute": 50}
